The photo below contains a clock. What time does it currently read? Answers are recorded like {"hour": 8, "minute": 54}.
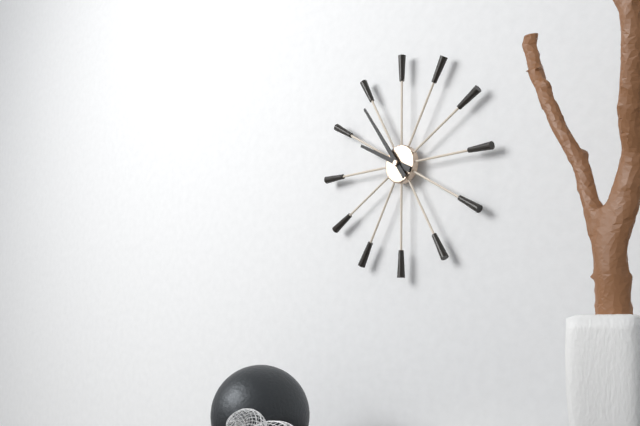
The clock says {"hour": 9, "minute": 54}
